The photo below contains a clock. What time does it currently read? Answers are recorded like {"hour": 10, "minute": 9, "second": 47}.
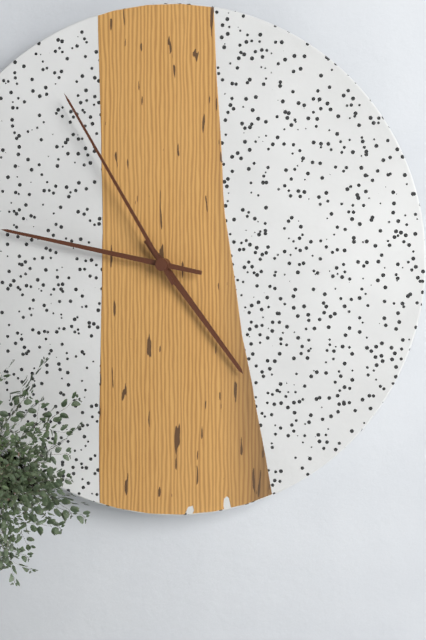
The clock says {"hour": 4, "minute": 47, "second": 55}
